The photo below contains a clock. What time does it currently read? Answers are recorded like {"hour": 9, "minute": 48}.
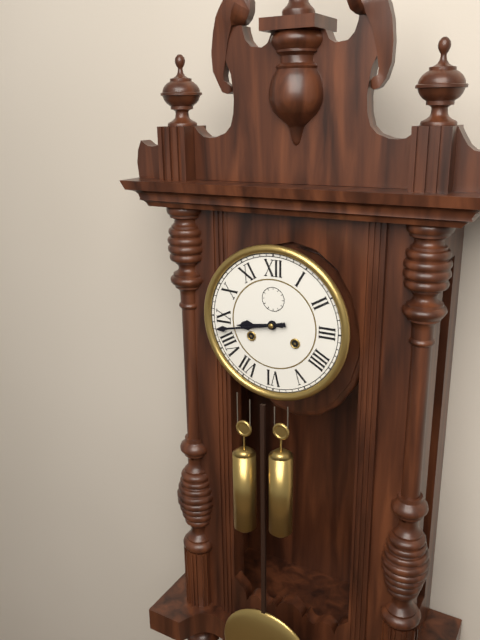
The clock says {"hour": 8, "minute": 43}
